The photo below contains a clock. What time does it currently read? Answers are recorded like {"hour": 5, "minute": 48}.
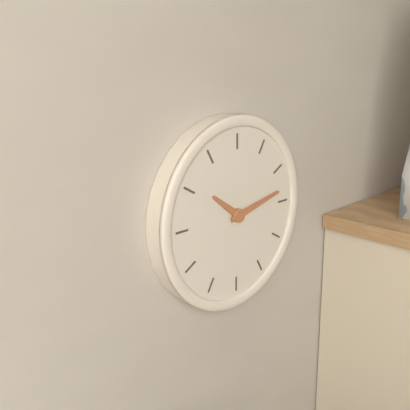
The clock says {"hour": 10, "minute": 13}
